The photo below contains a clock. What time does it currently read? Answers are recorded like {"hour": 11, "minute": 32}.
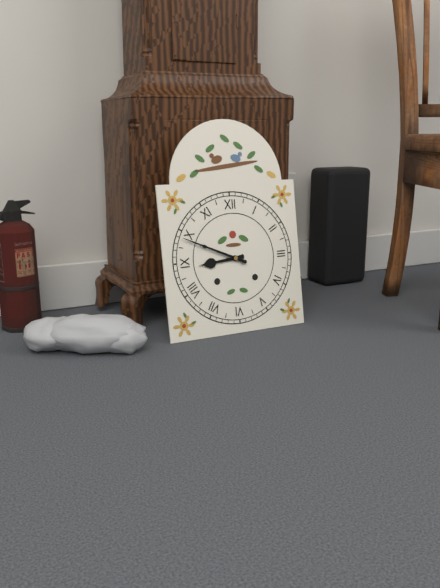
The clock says {"hour": 8, "minute": 49}
